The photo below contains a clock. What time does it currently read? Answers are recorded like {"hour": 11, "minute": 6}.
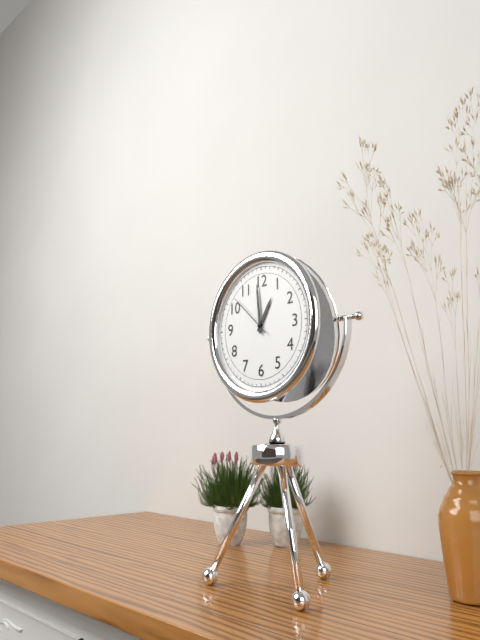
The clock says {"hour": 12, "minute": 59}
